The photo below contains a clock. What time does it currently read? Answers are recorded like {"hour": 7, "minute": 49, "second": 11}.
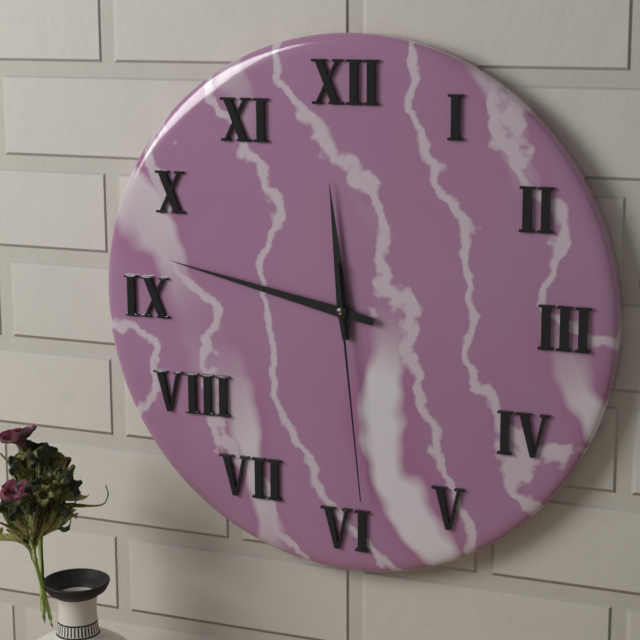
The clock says {"hour": 11, "minute": 47, "second": 29}
